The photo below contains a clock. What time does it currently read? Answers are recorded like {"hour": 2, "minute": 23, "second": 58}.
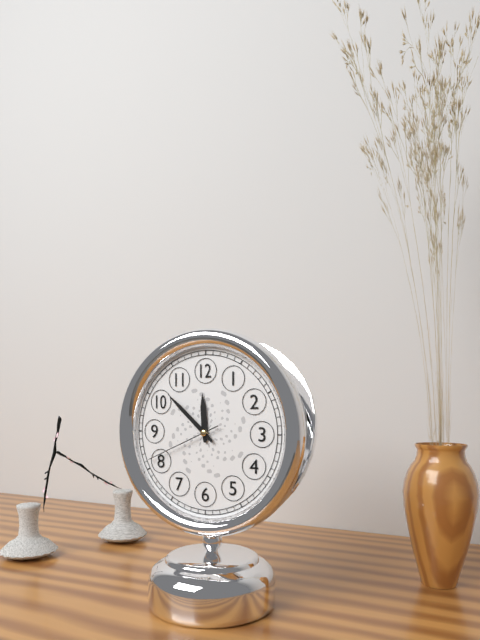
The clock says {"hour": 11, "minute": 52, "second": 41}
